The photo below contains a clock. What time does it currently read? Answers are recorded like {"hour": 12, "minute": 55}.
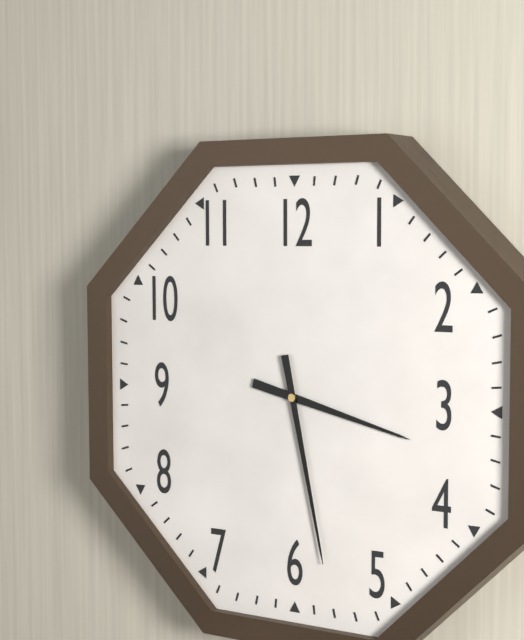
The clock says {"hour": 3, "minute": 28}
